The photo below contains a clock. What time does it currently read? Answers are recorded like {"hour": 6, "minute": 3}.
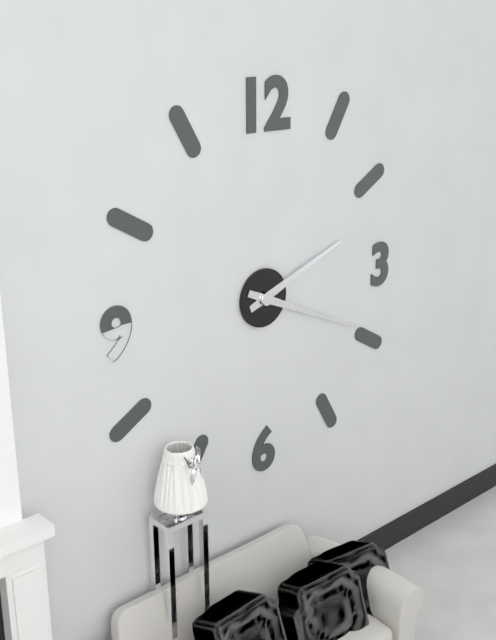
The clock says {"hour": 2, "minute": 19}
